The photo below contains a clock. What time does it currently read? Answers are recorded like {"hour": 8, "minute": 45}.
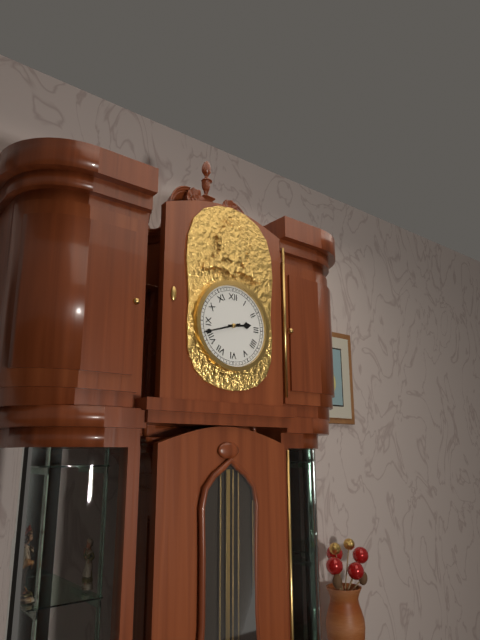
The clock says {"hour": 2, "minute": 42}
